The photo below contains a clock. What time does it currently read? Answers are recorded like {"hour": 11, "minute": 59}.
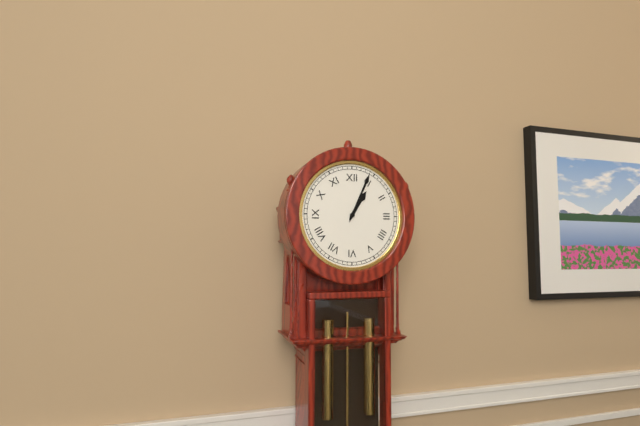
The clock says {"hour": 1, "minute": 4}
